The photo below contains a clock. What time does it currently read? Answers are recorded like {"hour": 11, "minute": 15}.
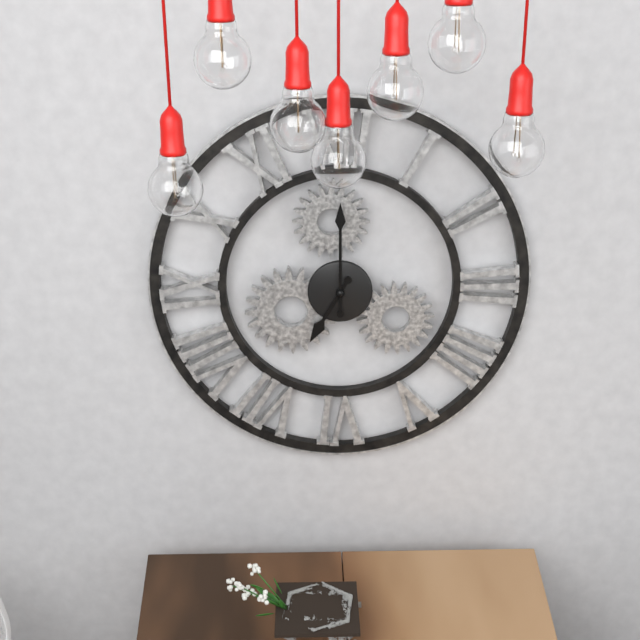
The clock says {"hour": 7, "minute": 0}
